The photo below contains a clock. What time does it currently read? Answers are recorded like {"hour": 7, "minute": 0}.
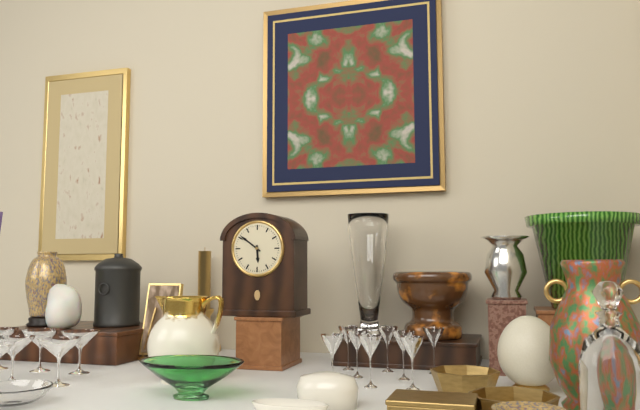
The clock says {"hour": 5, "minute": 51}
